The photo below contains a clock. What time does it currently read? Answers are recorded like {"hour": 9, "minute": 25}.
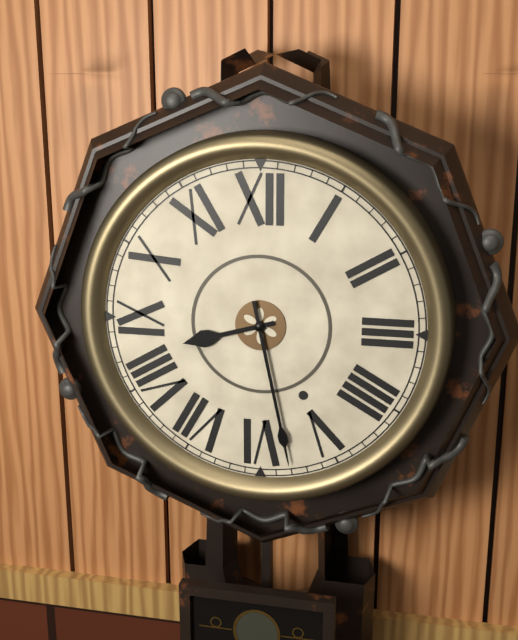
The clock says {"hour": 8, "minute": 28}
